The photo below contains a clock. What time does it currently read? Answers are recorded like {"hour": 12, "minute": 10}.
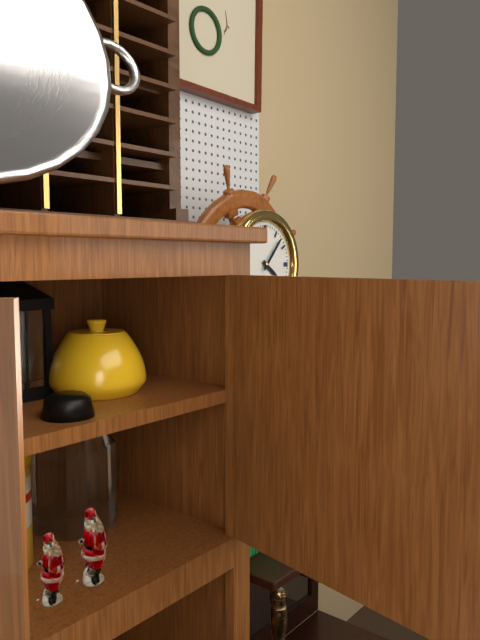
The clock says {"hour": 4, "minute": 7}
